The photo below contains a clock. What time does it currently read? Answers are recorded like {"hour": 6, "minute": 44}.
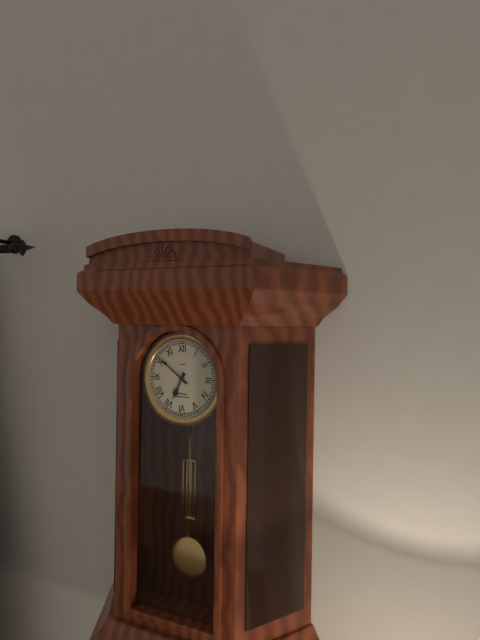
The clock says {"hour": 6, "minute": 51}
